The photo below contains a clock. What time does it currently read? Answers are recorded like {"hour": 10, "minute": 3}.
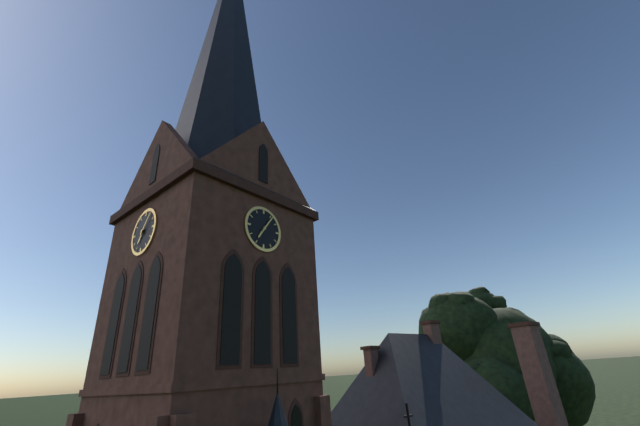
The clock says {"hour": 7, "minute": 6}
